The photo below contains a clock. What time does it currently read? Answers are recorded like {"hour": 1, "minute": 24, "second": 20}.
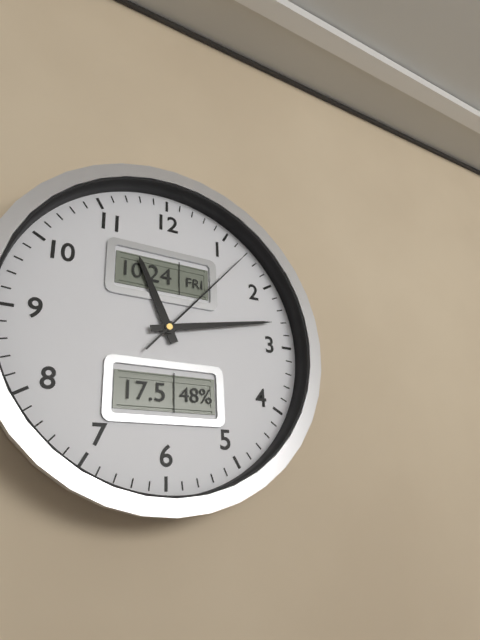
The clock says {"hour": 11, "minute": 13, "second": 7}
